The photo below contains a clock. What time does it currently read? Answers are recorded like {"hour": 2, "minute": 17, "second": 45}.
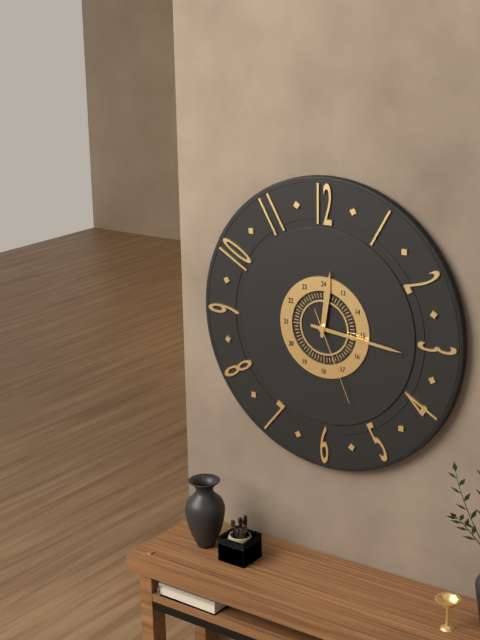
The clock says {"hour": 12, "minute": 16, "second": 26}
